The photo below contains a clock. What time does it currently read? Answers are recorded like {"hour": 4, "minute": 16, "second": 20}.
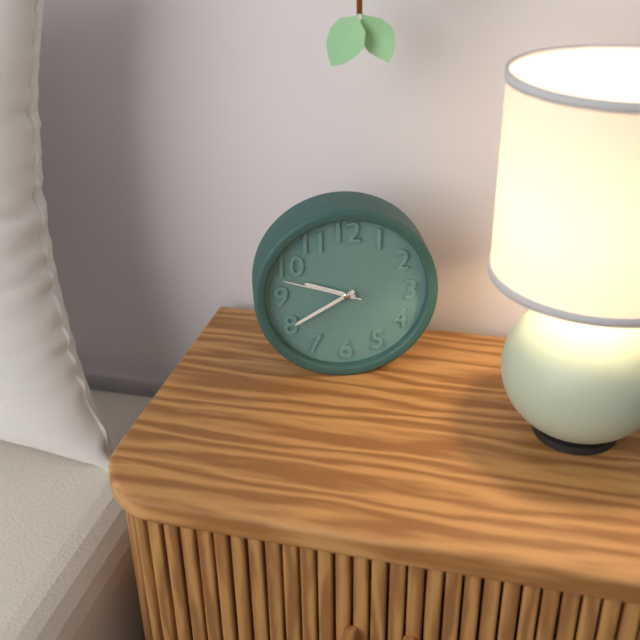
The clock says {"hour": 9, "minute": 40, "second": 48}
